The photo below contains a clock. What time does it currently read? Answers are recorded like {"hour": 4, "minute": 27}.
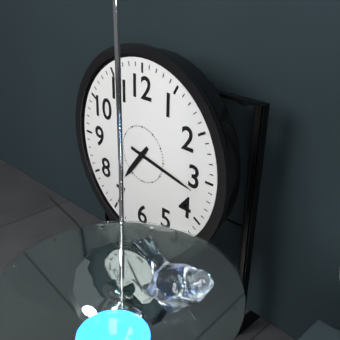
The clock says {"hour": 7, "minute": 17}
